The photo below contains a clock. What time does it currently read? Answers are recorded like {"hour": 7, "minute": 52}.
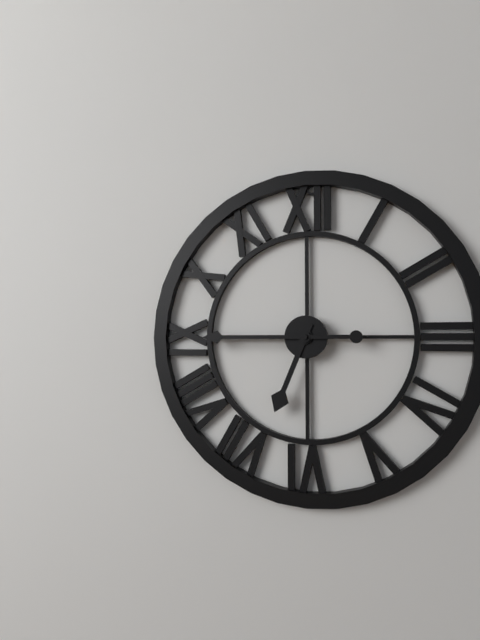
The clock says {"hour": 6, "minute": 45}
